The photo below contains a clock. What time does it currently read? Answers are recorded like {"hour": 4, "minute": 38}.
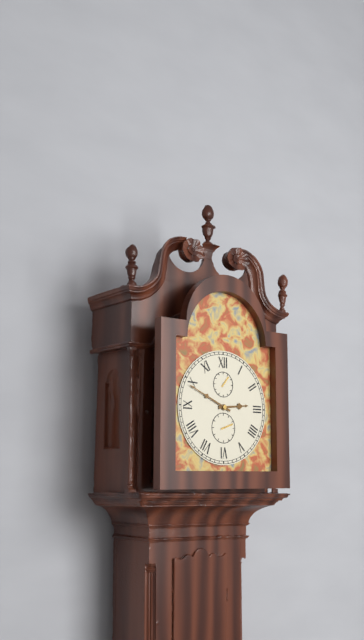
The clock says {"hour": 2, "minute": 49}
